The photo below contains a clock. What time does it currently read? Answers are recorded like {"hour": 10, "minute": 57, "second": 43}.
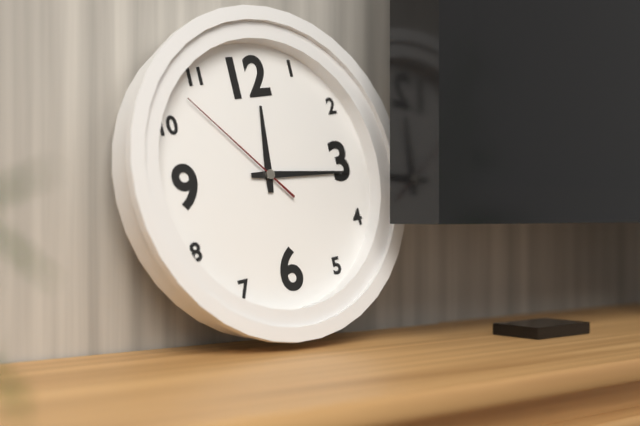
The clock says {"hour": 12, "minute": 16, "second": 53}
